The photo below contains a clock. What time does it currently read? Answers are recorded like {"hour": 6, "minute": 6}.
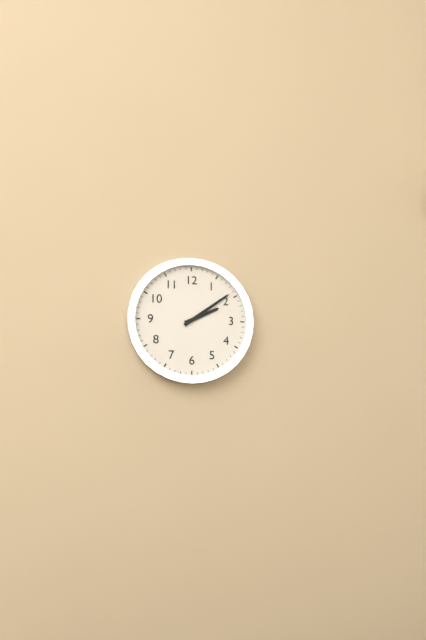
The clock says {"hour": 2, "minute": 9}
